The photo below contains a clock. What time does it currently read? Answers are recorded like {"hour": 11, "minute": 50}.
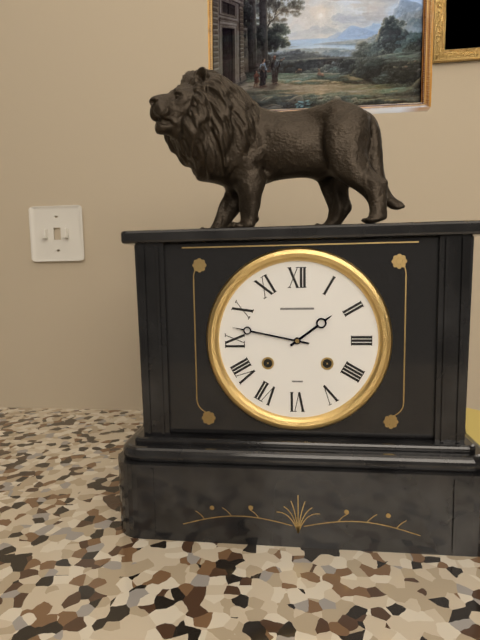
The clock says {"hour": 1, "minute": 47}
